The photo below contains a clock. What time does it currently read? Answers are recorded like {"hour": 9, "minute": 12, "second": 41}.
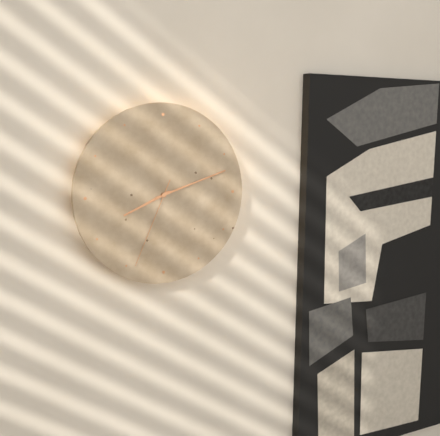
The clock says {"hour": 8, "minute": 12, "second": 34}
